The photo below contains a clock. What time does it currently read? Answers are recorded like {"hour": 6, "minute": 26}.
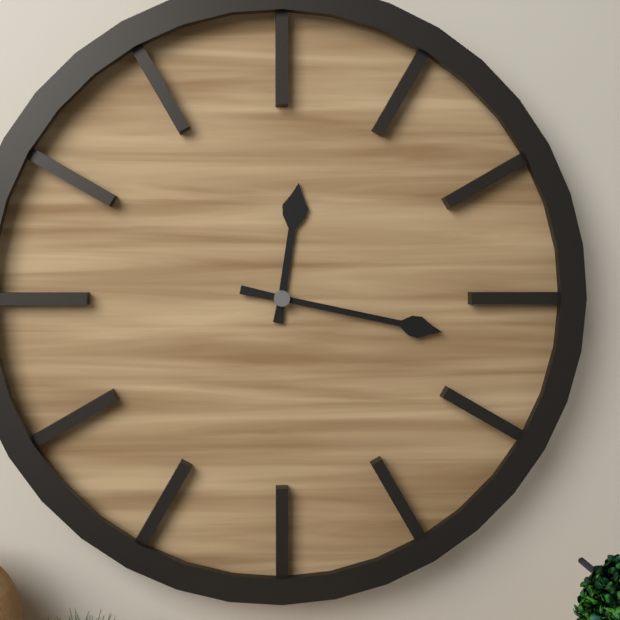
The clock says {"hour": 12, "minute": 17}
